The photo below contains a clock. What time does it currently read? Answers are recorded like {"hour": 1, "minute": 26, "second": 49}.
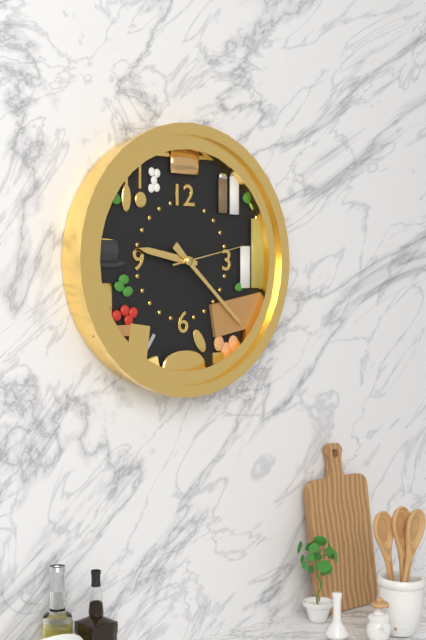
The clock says {"hour": 9, "minute": 22, "second": 13}
